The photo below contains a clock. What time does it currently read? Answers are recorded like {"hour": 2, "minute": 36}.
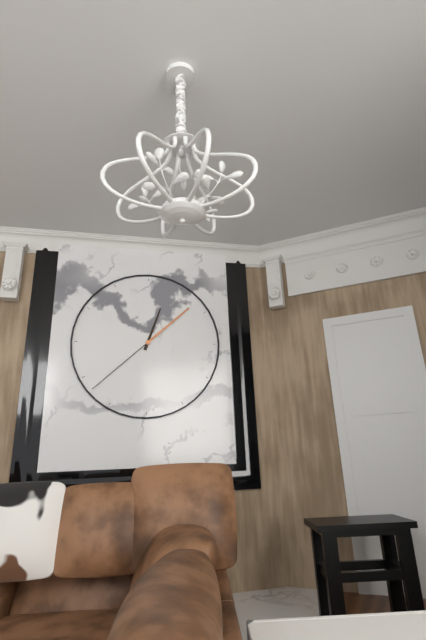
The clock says {"hour": 12, "minute": 38}
